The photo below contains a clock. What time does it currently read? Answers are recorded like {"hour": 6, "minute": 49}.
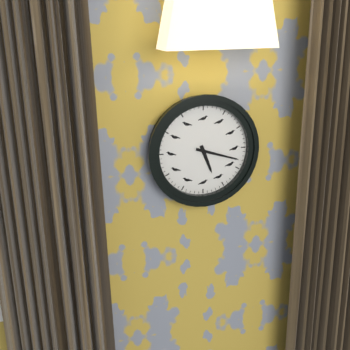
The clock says {"hour": 5, "minute": 18}
